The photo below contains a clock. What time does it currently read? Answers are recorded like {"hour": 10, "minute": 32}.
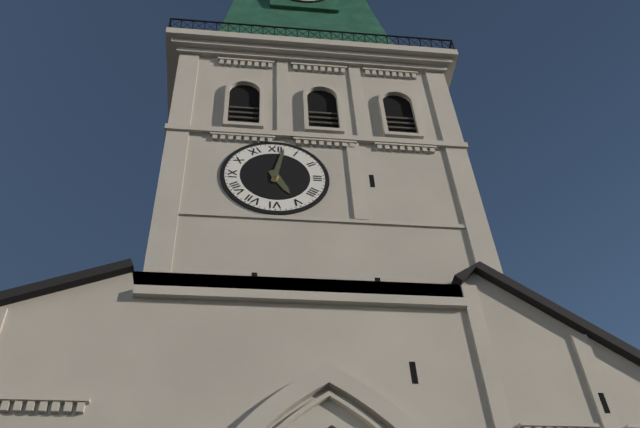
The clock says {"hour": 5, "minute": 2}
